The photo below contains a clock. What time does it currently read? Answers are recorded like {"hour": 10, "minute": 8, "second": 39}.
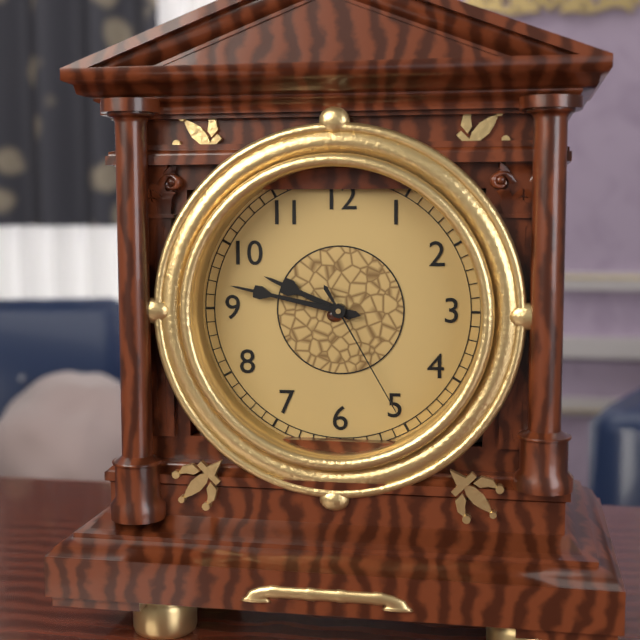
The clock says {"hour": 9, "minute": 47, "second": 25}
